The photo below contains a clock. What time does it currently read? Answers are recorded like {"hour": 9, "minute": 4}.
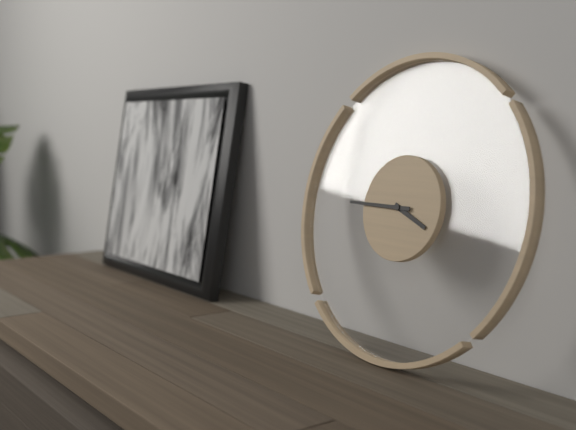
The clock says {"hour": 3, "minute": 45}
